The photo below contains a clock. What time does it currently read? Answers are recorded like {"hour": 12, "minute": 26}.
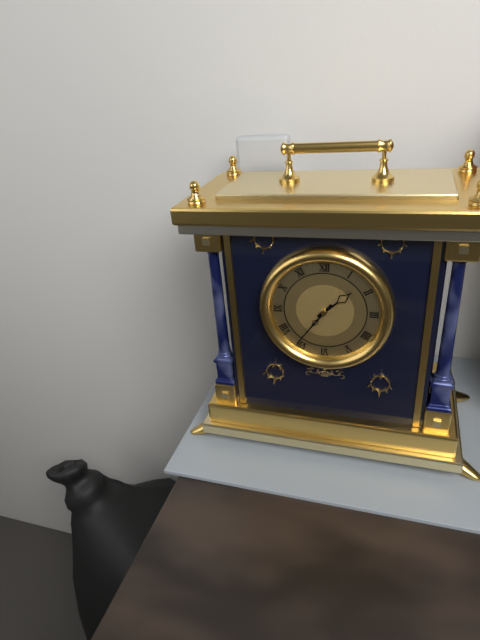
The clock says {"hour": 1, "minute": 36}
